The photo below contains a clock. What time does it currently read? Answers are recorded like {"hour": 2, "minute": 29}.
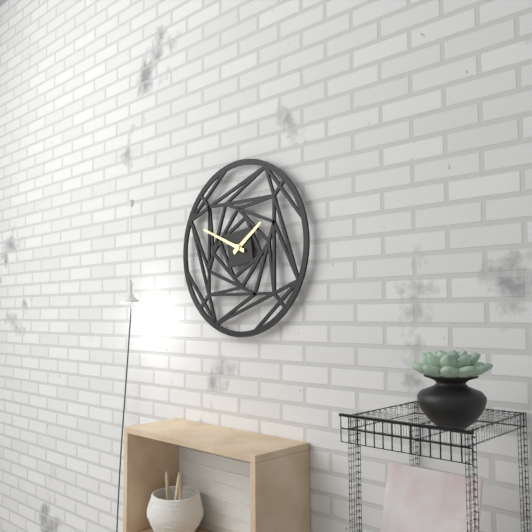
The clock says {"hour": 1, "minute": 49}
